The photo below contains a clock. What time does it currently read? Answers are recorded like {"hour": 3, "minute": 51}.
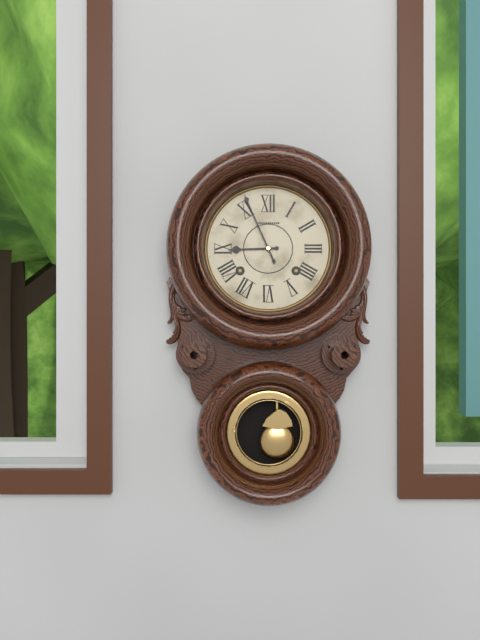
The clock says {"hour": 8, "minute": 56}
